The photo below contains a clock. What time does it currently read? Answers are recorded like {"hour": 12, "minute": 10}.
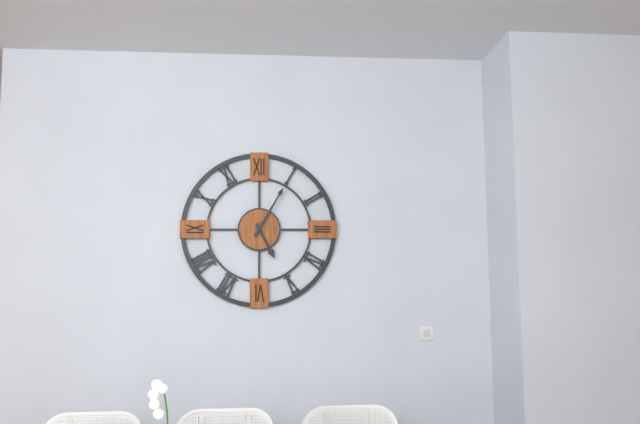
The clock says {"hour": 5, "minute": 5}
